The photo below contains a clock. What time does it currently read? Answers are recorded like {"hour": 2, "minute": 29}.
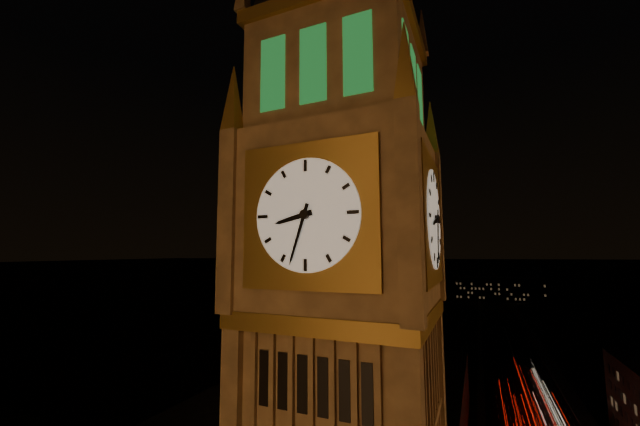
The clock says {"hour": 8, "minute": 33}
